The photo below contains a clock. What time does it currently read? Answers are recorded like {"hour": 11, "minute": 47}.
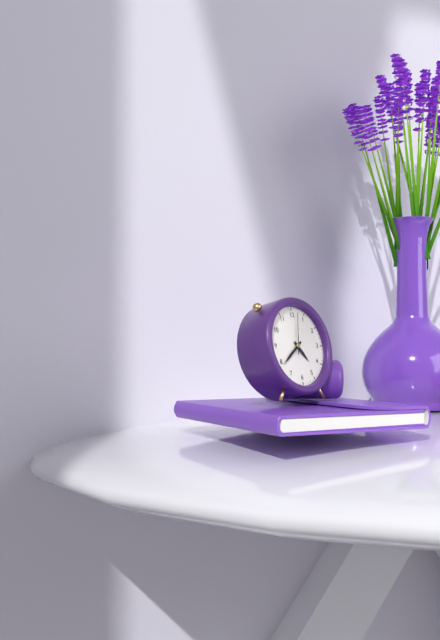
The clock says {"hour": 4, "minute": 39}
